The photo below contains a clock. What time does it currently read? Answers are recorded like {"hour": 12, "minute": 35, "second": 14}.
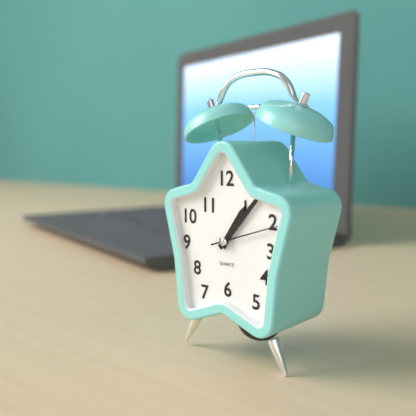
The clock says {"hour": 1, "minute": 7, "second": 12}
